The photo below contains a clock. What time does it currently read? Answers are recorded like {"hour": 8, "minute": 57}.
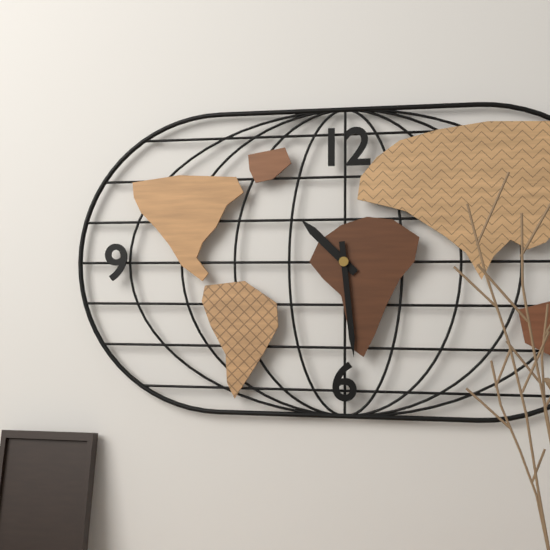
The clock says {"hour": 10, "minute": 29}
